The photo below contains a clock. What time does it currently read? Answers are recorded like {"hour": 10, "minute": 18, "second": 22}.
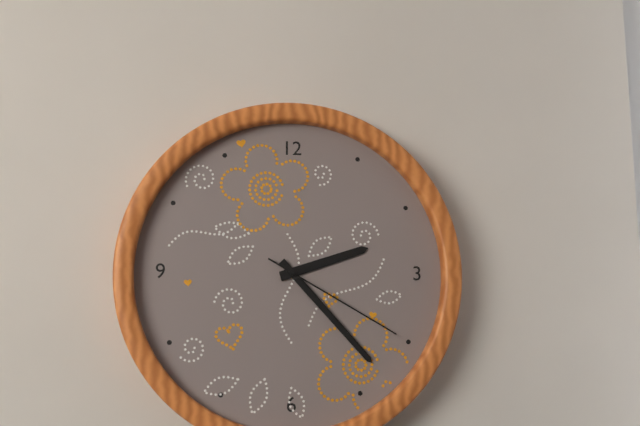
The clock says {"hour": 2, "minute": 23, "second": 20}
